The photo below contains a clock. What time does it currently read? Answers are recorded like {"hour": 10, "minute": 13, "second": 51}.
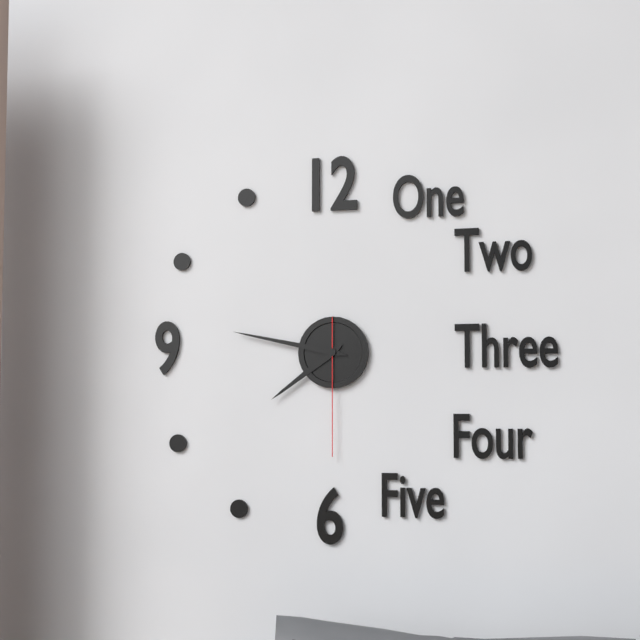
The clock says {"hour": 7, "minute": 47, "second": 30}
